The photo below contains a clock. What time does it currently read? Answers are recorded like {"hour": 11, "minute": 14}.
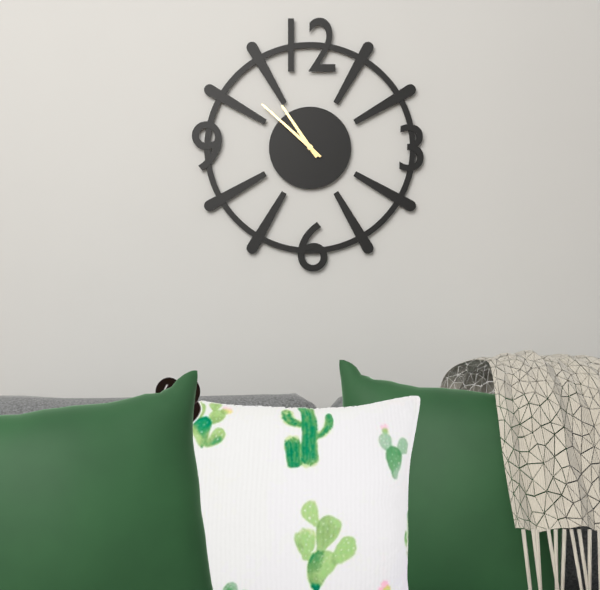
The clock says {"hour": 10, "minute": 52}
